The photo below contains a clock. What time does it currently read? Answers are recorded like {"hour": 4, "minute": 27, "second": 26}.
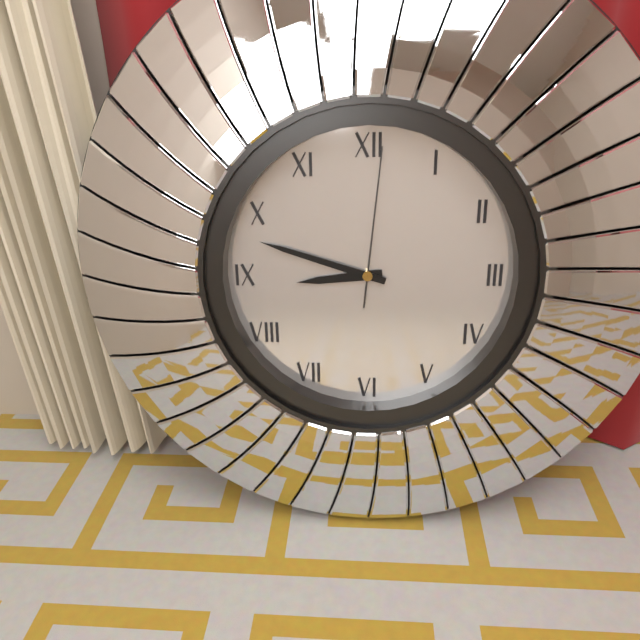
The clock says {"hour": 8, "minute": 48, "second": 1}
